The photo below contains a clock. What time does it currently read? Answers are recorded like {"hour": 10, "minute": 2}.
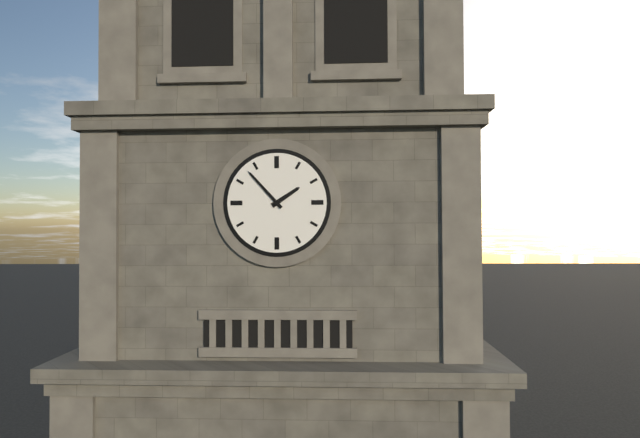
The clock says {"hour": 1, "minute": 53}
